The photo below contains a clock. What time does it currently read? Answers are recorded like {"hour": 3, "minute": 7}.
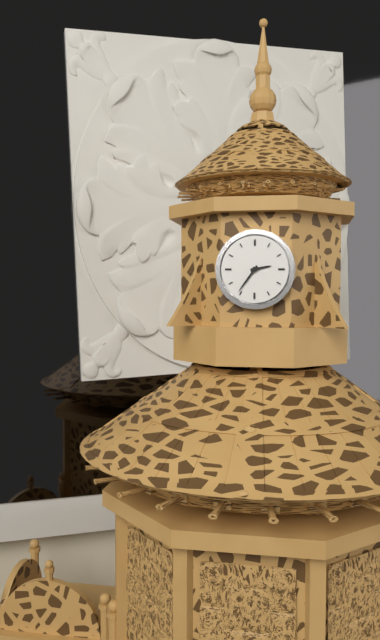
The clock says {"hour": 2, "minute": 36}
